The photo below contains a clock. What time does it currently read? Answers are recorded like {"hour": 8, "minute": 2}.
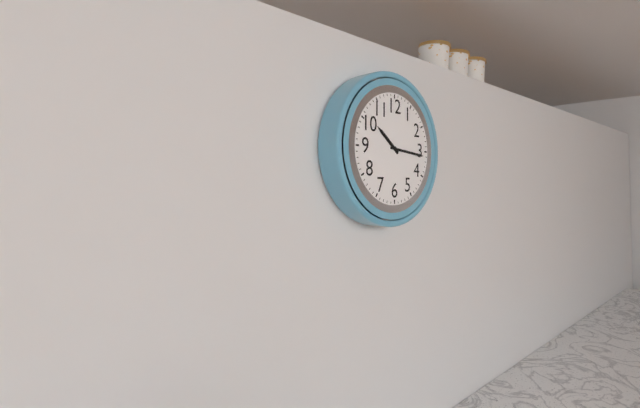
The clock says {"hour": 10, "minute": 16}
